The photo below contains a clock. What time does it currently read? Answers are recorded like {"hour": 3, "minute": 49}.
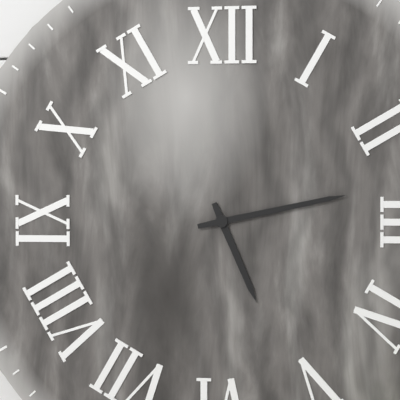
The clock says {"hour": 5, "minute": 13}
